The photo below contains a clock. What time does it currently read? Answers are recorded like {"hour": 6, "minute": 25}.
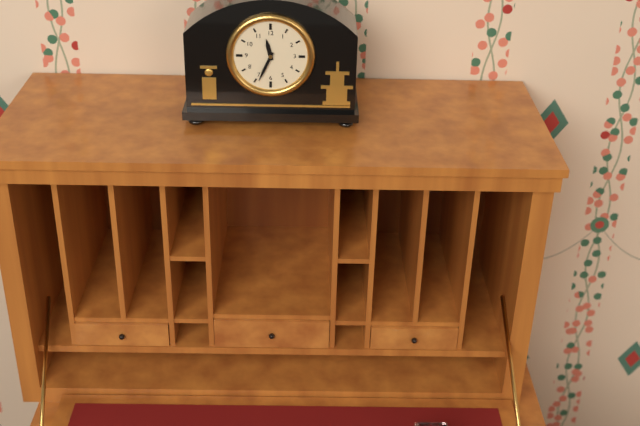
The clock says {"hour": 11, "minute": 34}
